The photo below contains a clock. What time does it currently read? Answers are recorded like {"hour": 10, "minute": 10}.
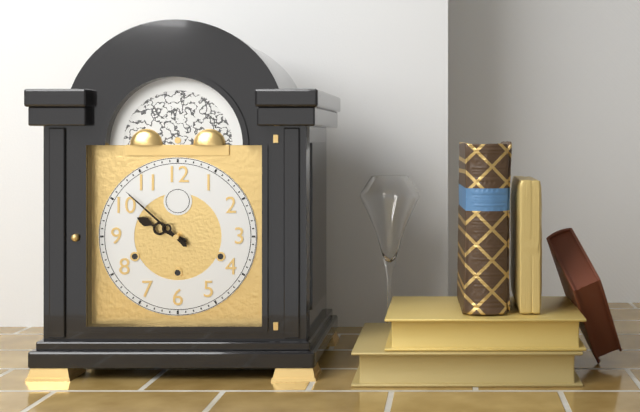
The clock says {"hour": 9, "minute": 52}
